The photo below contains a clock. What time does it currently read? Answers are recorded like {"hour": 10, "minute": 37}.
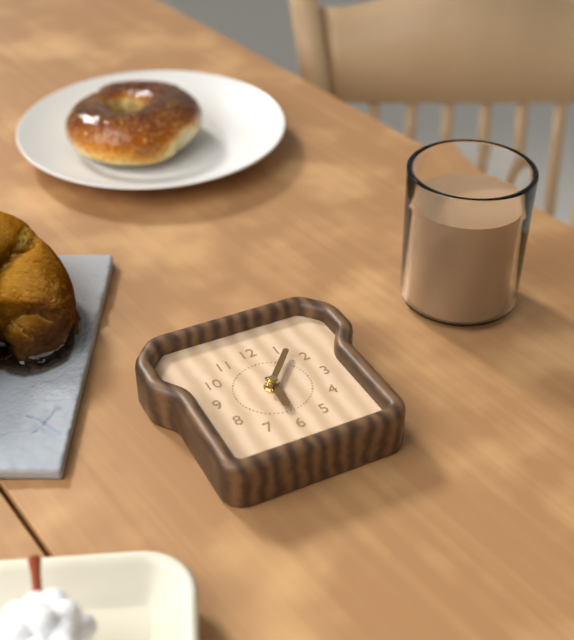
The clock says {"hour": 6, "minute": 7}
